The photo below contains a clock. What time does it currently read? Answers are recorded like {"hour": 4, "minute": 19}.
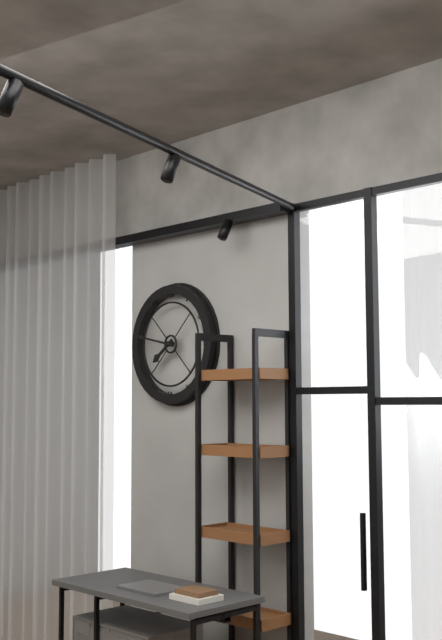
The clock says {"hour": 7, "minute": 47}
